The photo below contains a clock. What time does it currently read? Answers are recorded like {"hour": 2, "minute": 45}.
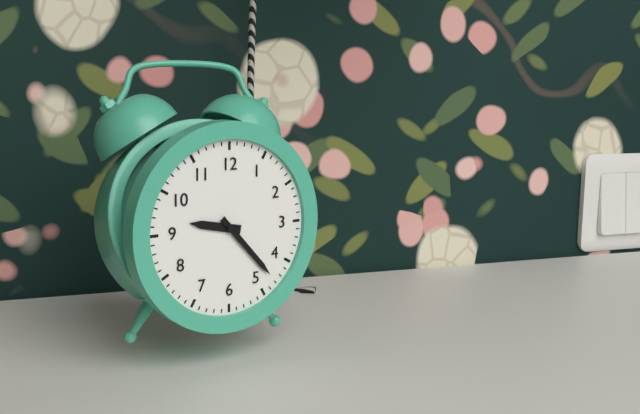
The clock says {"hour": 9, "minute": 23}
